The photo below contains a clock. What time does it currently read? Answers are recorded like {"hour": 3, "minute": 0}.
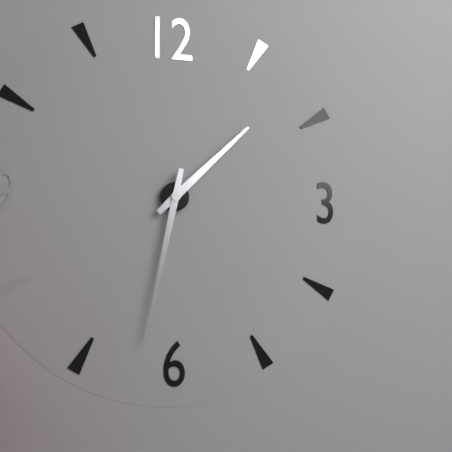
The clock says {"hour": 1, "minute": 32}
